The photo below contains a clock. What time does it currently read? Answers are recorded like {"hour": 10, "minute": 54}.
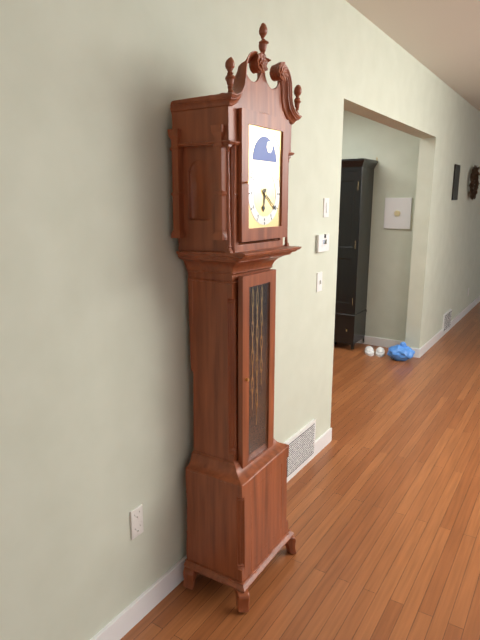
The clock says {"hour": 6, "minute": 21}
